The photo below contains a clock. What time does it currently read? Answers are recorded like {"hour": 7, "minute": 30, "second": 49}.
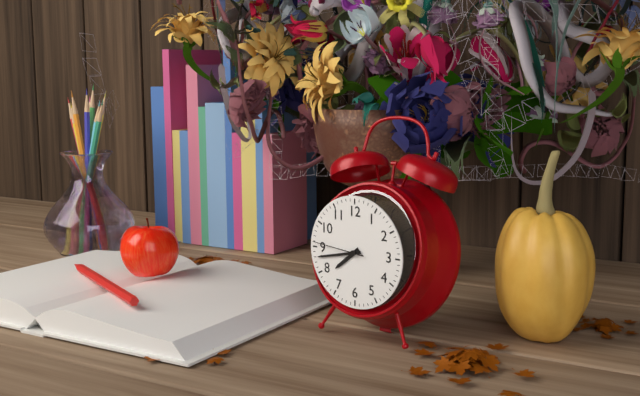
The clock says {"hour": 7, "minute": 43, "second": 46}
